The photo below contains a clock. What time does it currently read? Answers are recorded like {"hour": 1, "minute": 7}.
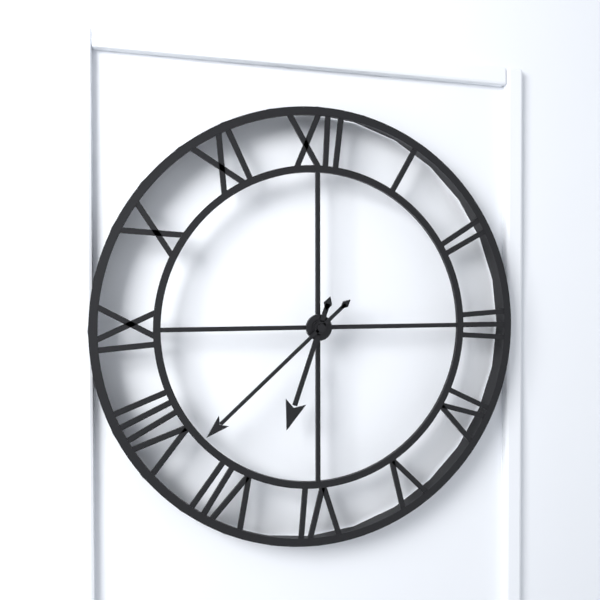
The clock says {"hour": 6, "minute": 38}
